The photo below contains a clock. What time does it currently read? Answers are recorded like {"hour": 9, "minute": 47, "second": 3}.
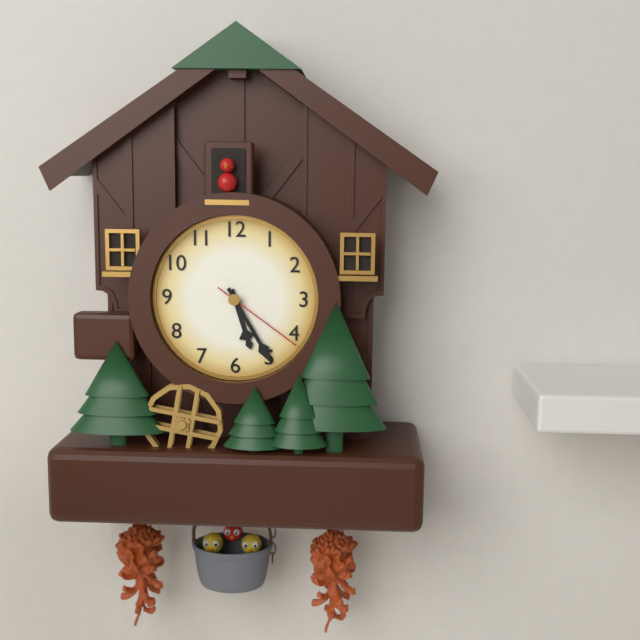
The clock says {"hour": 5, "minute": 25, "second": 21}
